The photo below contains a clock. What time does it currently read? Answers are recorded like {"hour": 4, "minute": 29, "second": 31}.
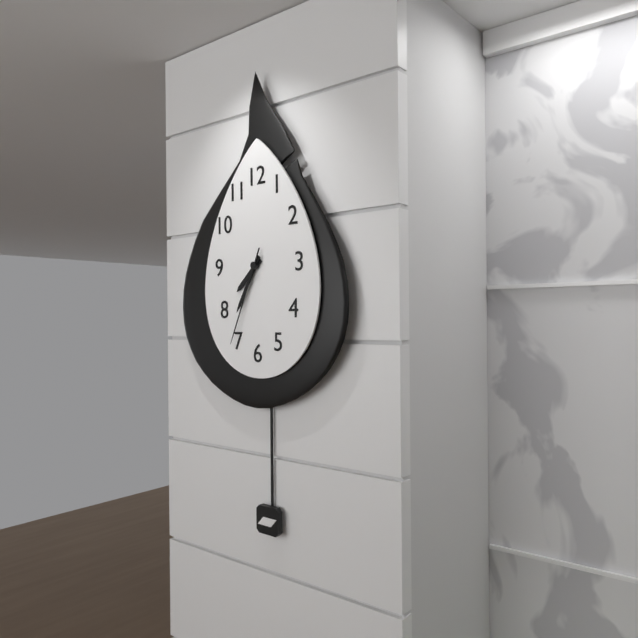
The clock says {"hour": 7, "minute": 35, "second": 34}
